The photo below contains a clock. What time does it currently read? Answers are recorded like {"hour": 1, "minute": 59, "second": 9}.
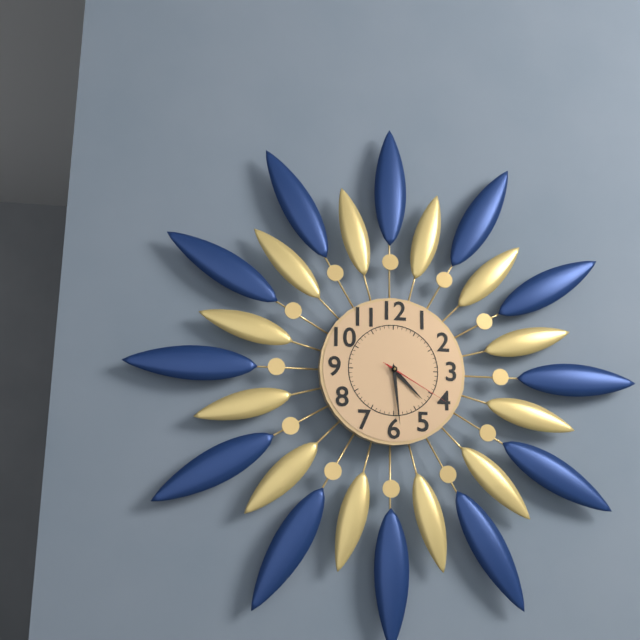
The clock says {"hour": 4, "minute": 29, "second": 20}
